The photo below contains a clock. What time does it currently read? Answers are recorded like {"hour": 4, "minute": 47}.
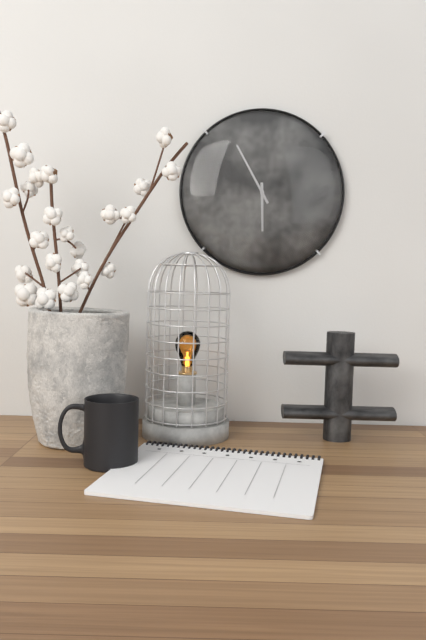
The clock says {"hour": 5, "minute": 55}
